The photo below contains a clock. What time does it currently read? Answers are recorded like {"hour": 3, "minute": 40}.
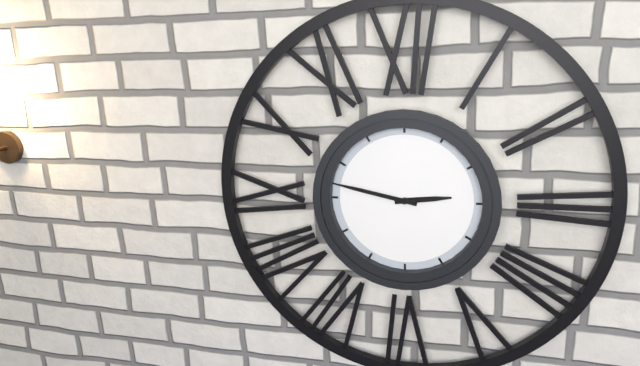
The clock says {"hour": 2, "minute": 47}
